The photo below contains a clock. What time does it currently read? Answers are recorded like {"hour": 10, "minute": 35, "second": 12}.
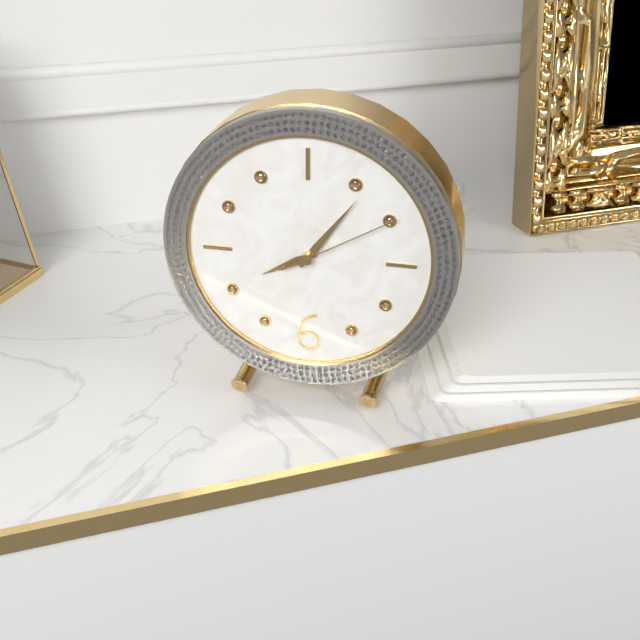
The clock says {"hour": 8, "minute": 6, "second": 10}
